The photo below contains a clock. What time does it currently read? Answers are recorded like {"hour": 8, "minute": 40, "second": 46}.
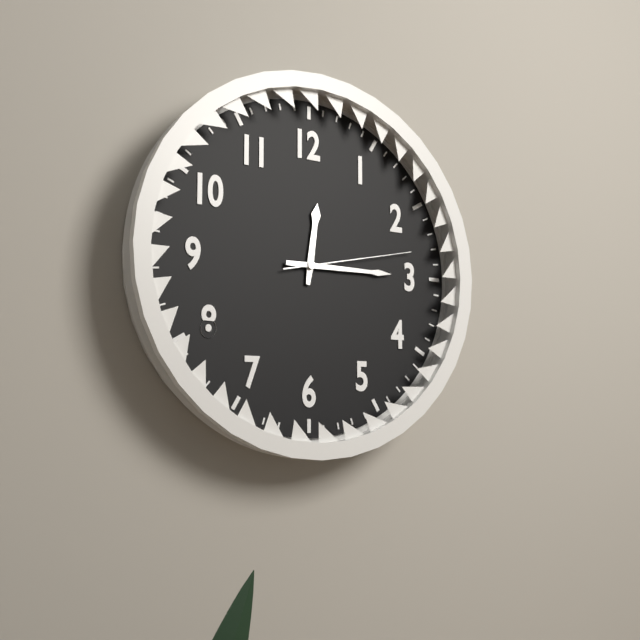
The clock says {"hour": 12, "minute": 15, "second": 13}
